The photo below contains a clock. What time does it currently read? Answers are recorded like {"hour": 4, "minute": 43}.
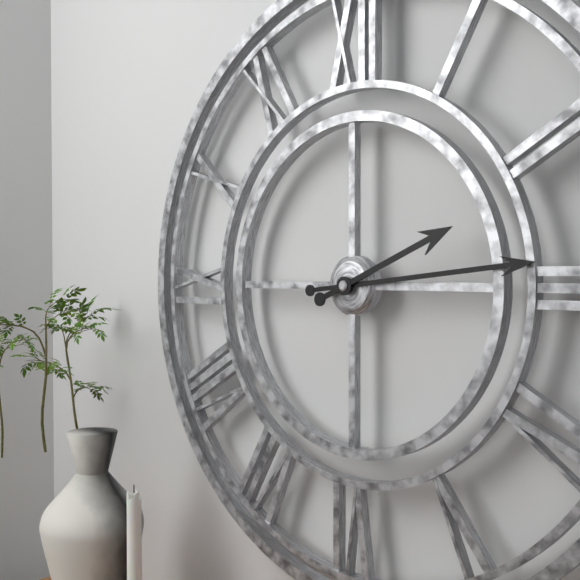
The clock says {"hour": 2, "minute": 14}
